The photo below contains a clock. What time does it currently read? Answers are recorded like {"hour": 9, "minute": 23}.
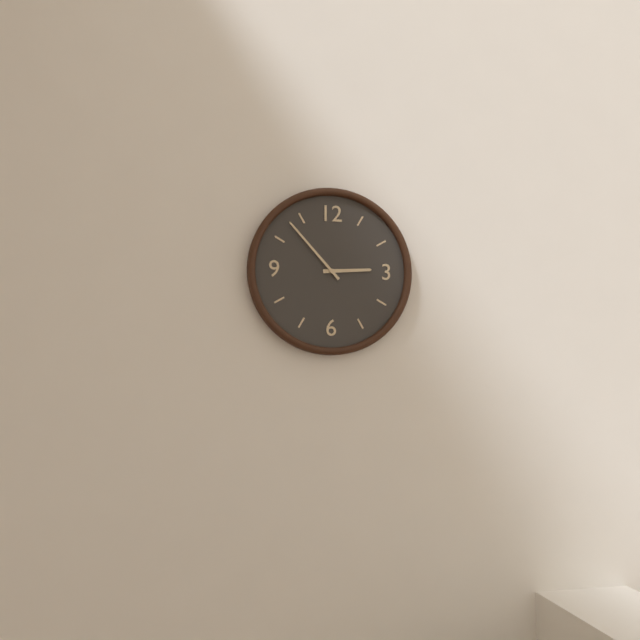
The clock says {"hour": 2, "minute": 53}
